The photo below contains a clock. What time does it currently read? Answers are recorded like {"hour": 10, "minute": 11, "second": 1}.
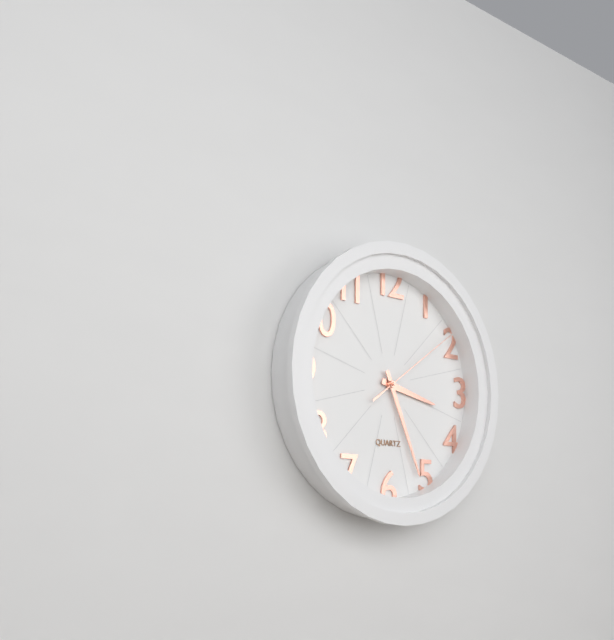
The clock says {"hour": 3, "minute": 26, "second": 9}
